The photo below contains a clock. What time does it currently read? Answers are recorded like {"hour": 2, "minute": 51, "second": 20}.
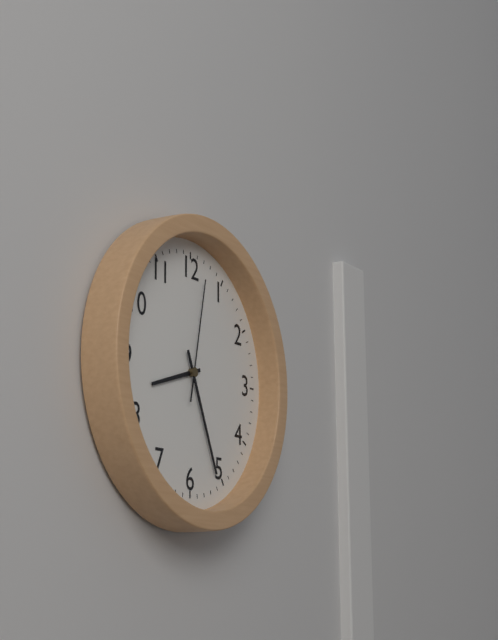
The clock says {"hour": 8, "minute": 26, "second": 2}
